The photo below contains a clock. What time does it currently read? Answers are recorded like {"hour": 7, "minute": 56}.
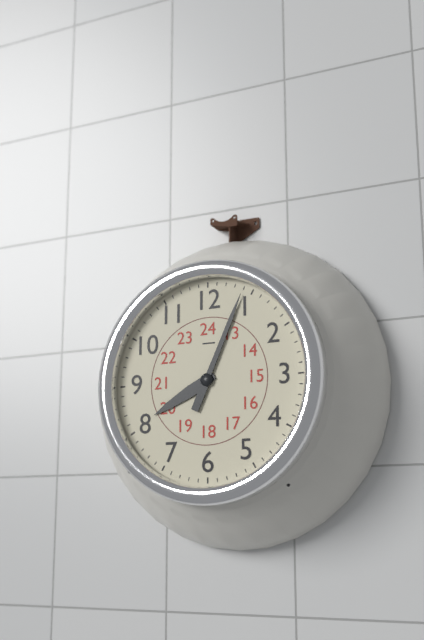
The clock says {"hour": 8, "minute": 4}
